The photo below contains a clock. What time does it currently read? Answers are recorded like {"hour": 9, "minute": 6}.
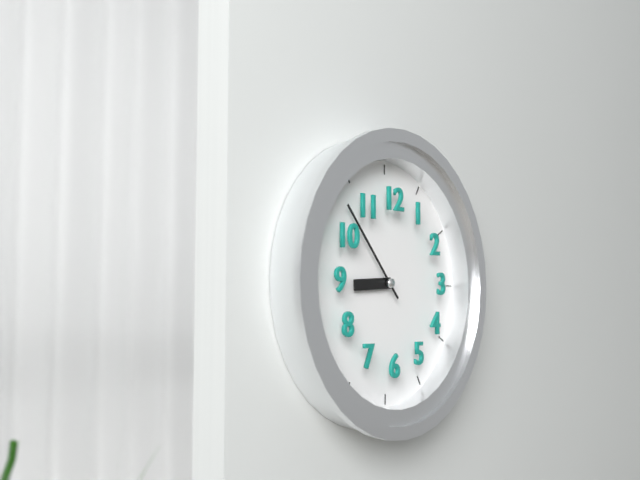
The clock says {"hour": 8, "minute": 53}
